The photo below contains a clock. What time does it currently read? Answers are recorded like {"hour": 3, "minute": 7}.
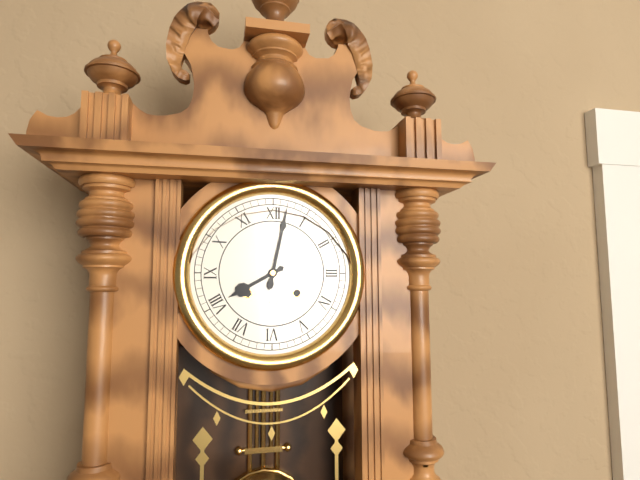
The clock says {"hour": 8, "minute": 2}
